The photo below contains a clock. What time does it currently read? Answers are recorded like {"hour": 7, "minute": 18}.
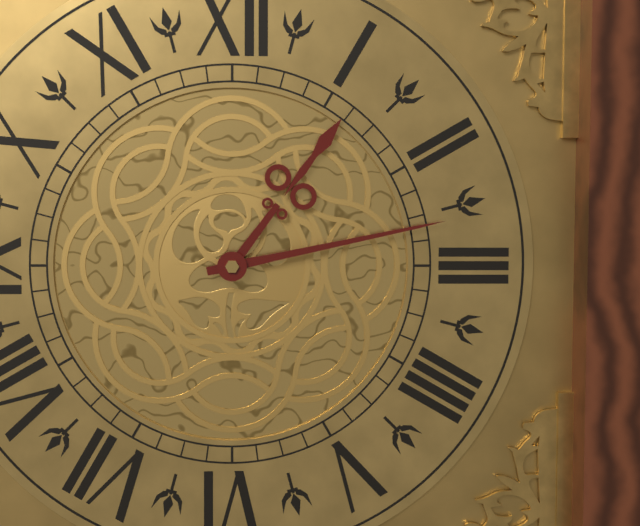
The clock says {"hour": 1, "minute": 13}
